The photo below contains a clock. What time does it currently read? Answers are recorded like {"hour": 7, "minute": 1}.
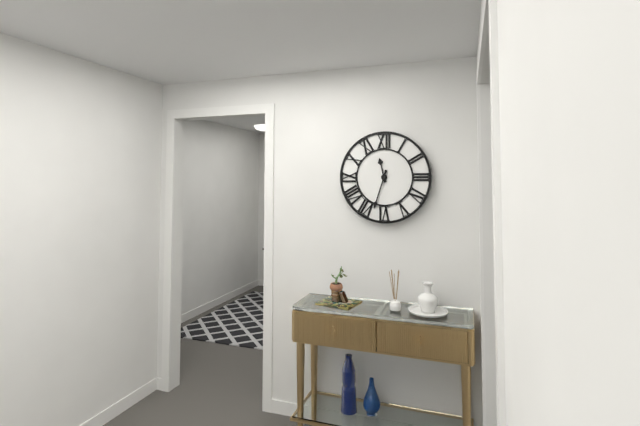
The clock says {"hour": 11, "minute": 33}
